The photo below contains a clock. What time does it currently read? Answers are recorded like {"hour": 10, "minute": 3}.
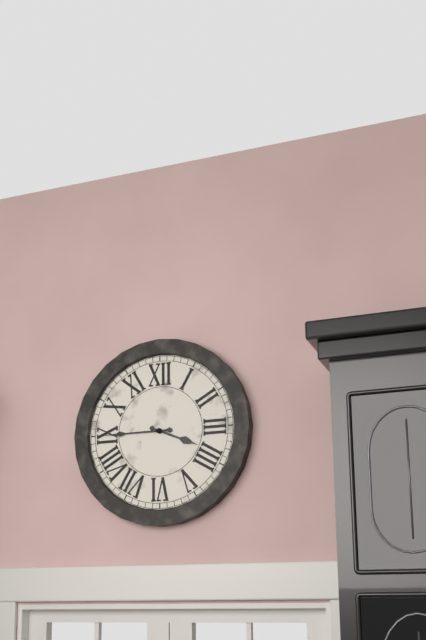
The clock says {"hour": 3, "minute": 45}
